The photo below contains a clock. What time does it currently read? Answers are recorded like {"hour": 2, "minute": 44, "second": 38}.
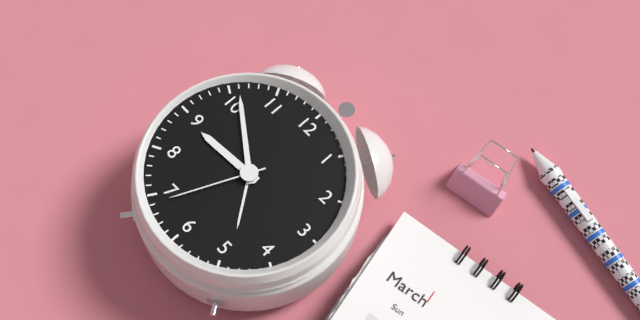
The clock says {"hour": 8, "minute": 51, "second": 34}
